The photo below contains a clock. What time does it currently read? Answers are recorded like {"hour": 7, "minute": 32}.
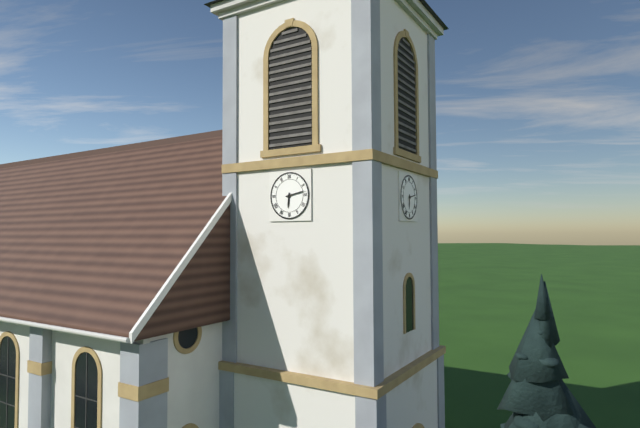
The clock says {"hour": 6, "minute": 13}
